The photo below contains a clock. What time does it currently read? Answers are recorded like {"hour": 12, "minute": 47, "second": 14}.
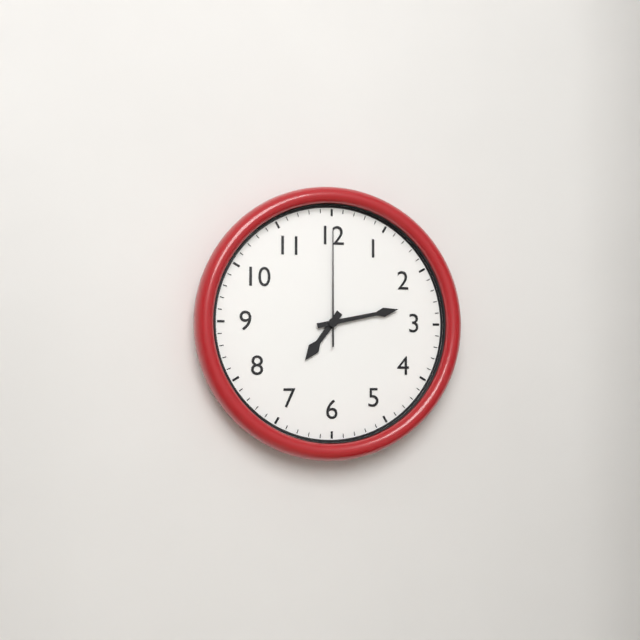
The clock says {"hour": 7, "minute": 13, "second": 0}
